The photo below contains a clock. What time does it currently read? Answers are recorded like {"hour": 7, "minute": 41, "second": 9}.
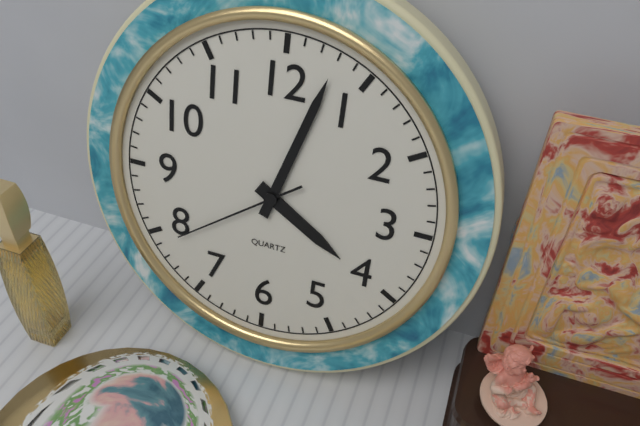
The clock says {"hour": 4, "minute": 3, "second": 39}
